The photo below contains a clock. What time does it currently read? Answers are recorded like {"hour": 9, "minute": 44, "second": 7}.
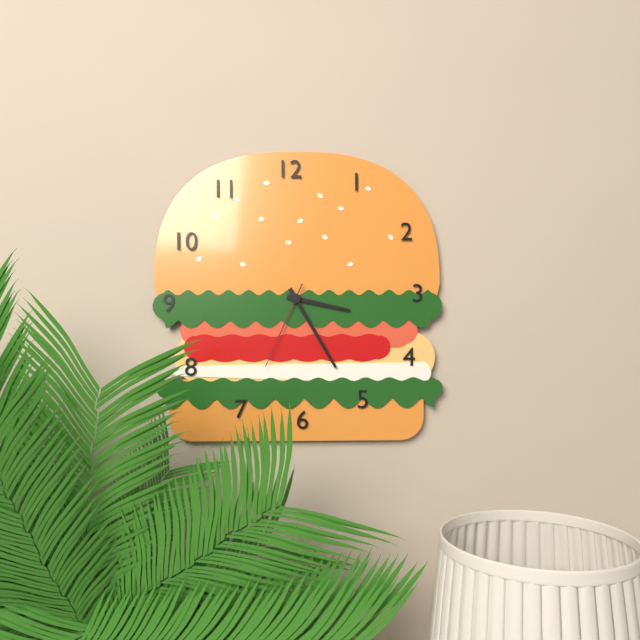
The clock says {"hour": 3, "minute": 25, "second": 34}
